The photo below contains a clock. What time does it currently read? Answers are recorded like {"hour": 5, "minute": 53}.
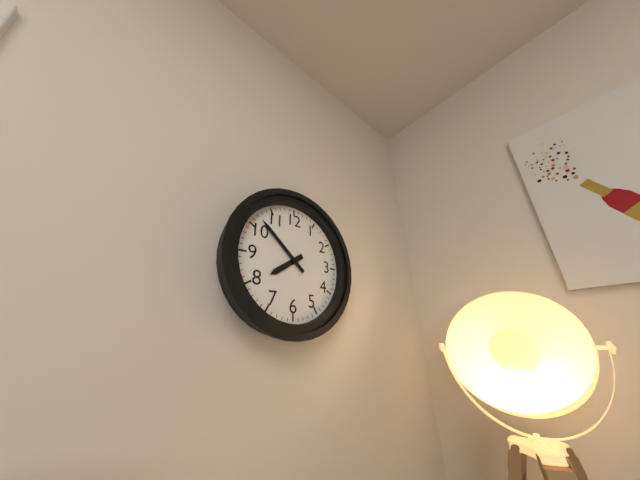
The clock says {"hour": 7, "minute": 52}
